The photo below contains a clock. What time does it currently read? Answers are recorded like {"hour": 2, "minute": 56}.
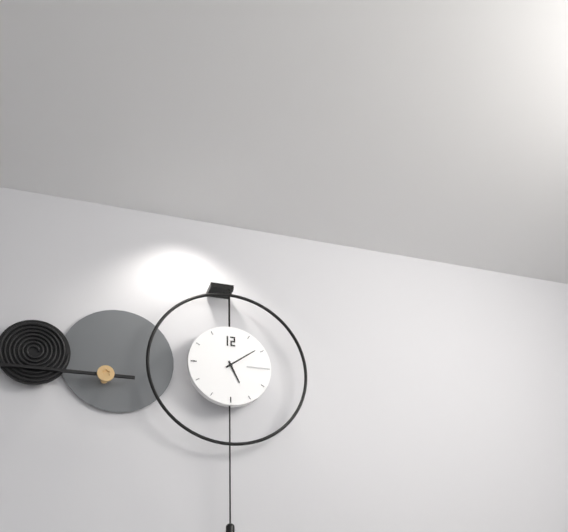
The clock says {"hour": 5, "minute": 9}
